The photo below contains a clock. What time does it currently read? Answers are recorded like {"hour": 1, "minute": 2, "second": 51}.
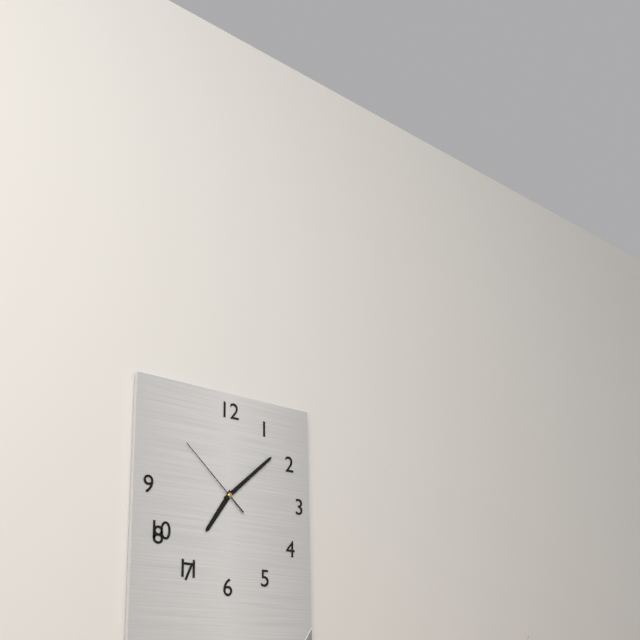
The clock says {"hour": 7, "minute": 8, "second": 52}
